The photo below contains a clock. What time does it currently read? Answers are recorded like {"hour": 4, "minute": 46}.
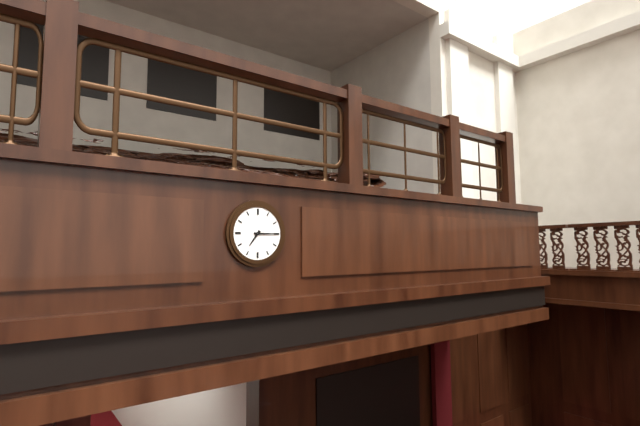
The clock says {"hour": 7, "minute": 15}
